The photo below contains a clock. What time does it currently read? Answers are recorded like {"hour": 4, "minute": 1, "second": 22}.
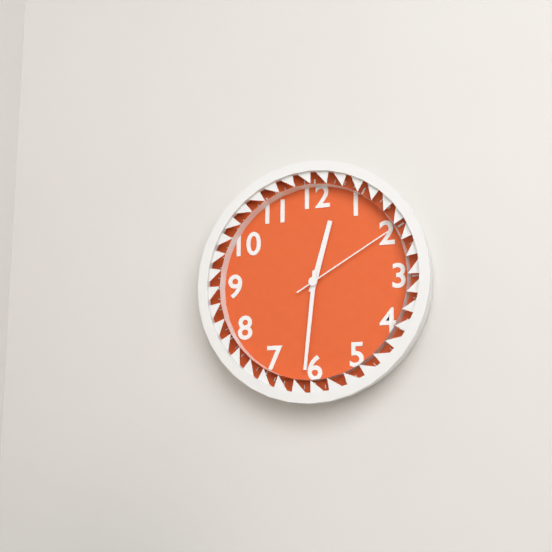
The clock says {"hour": 12, "minute": 31, "second": 10}
